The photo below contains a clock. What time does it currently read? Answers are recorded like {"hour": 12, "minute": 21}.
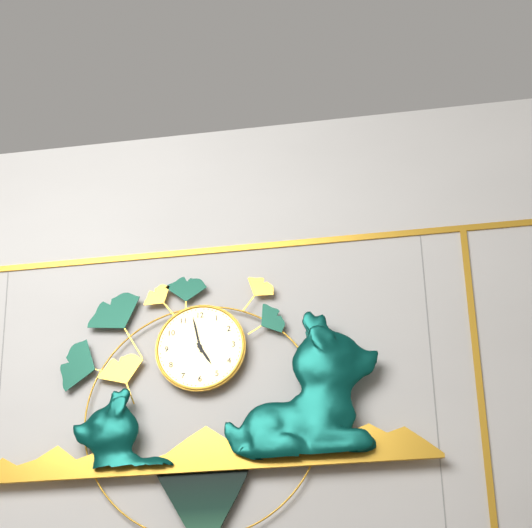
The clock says {"hour": 4, "minute": 58}
